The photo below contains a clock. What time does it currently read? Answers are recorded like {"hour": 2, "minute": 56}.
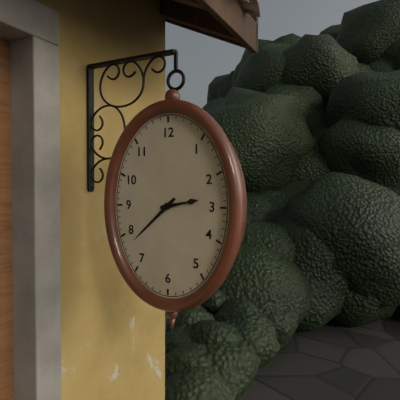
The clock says {"hour": 2, "minute": 38}
